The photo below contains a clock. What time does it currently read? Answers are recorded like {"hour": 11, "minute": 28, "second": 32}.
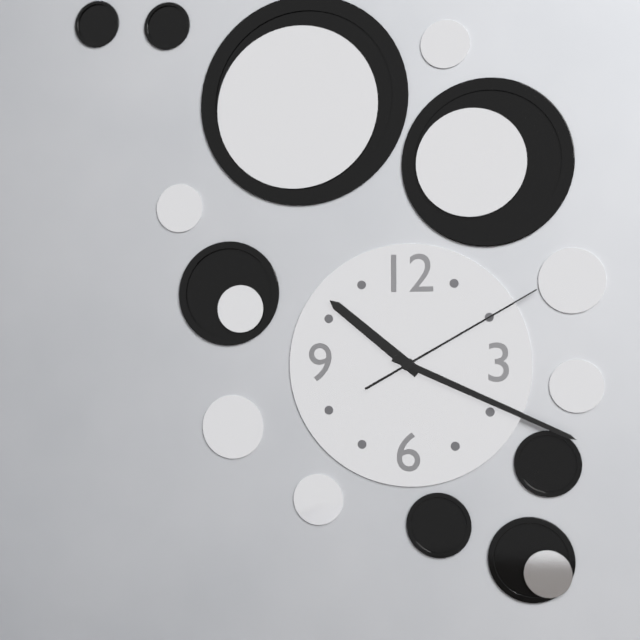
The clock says {"hour": 10, "minute": 19, "second": 10}
